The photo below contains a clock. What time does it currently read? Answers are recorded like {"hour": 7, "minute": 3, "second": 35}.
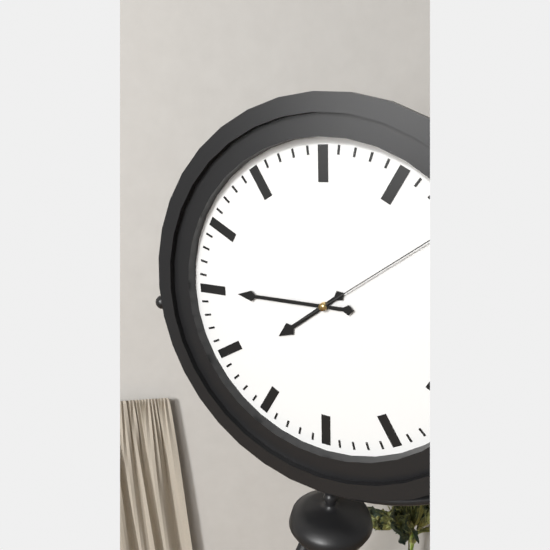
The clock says {"hour": 7, "minute": 45, "second": 9}
